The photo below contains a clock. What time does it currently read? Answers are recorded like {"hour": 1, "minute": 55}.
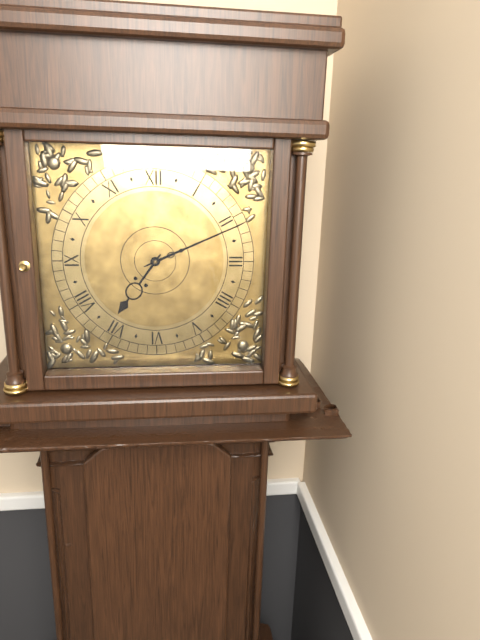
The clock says {"hour": 7, "minute": 11}
